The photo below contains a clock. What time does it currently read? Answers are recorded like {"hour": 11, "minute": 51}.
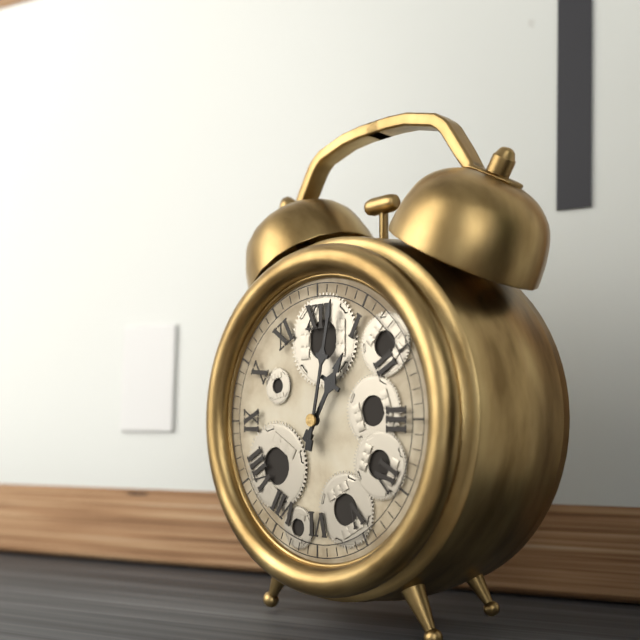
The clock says {"hour": 1, "minute": 2}
